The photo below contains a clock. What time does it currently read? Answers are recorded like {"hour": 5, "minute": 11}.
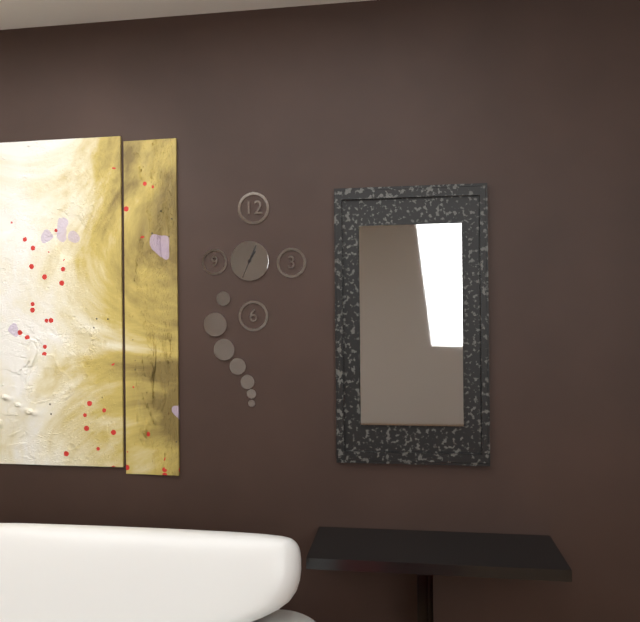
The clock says {"hour": 1, "minute": 4}
